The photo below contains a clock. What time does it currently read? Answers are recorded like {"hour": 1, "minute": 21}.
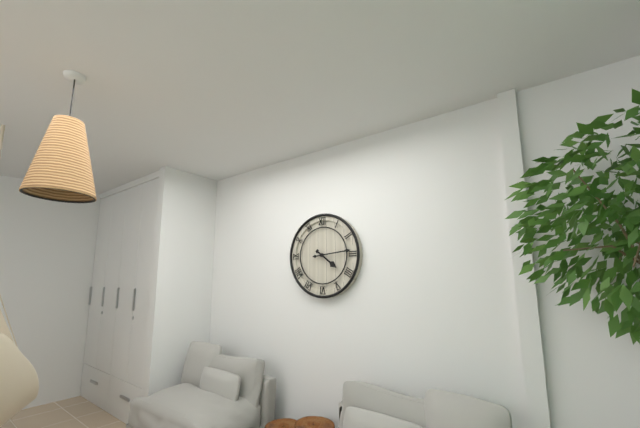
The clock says {"hour": 4, "minute": 14}
